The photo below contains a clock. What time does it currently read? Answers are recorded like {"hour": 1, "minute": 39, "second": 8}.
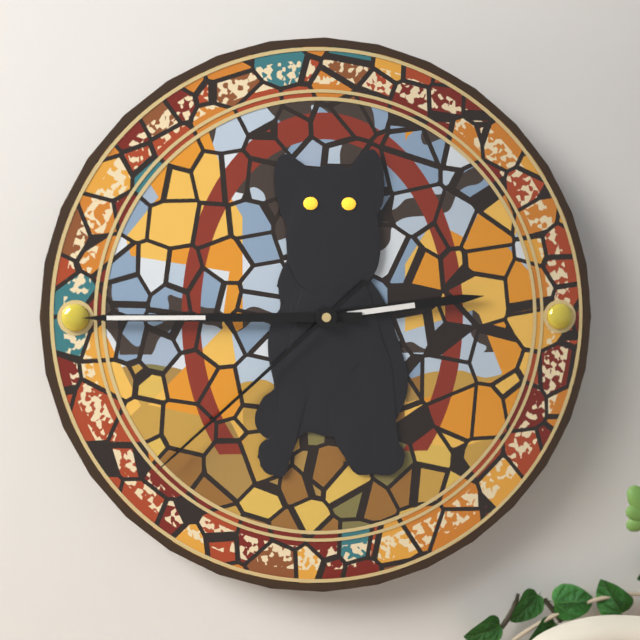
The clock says {"hour": 2, "minute": 45, "second": 38}
